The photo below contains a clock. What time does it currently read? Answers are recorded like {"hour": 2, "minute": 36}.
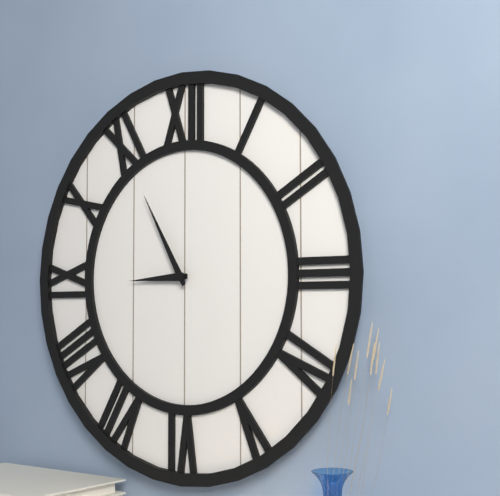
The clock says {"hour": 8, "minute": 55}
